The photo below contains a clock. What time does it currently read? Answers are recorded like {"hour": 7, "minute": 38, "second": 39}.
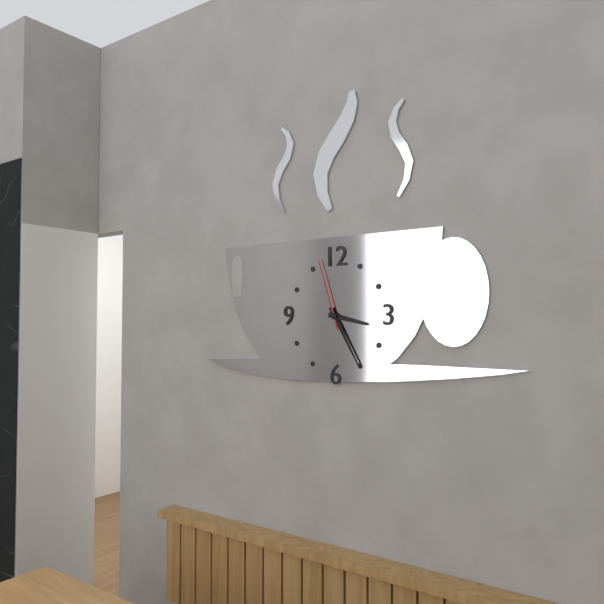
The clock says {"hour": 3, "minute": 25, "second": 57}
